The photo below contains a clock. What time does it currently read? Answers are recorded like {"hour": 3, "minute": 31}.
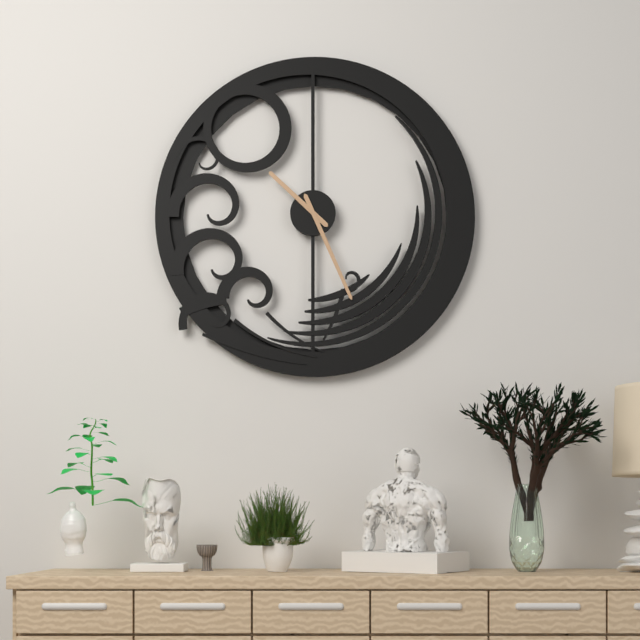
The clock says {"hour": 10, "minute": 26}
